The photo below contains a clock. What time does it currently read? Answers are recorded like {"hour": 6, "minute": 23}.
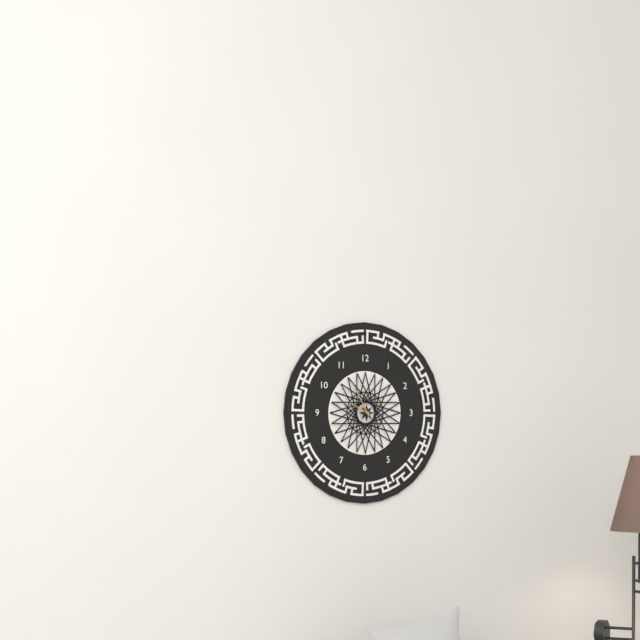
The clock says {"hour": 9, "minute": 55}
